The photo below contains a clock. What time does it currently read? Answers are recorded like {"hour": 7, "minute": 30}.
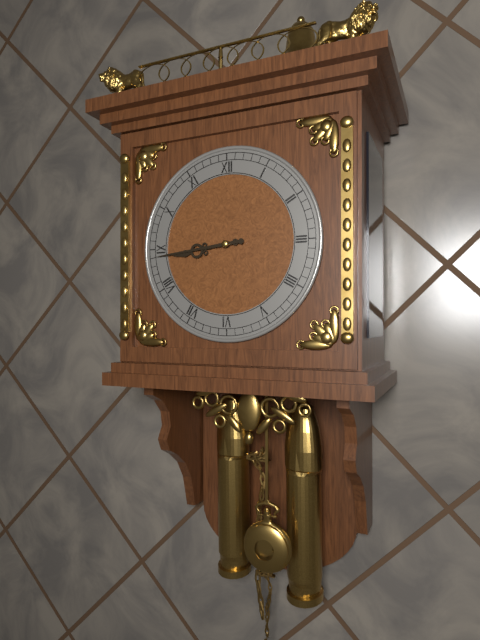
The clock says {"hour": 8, "minute": 44}
